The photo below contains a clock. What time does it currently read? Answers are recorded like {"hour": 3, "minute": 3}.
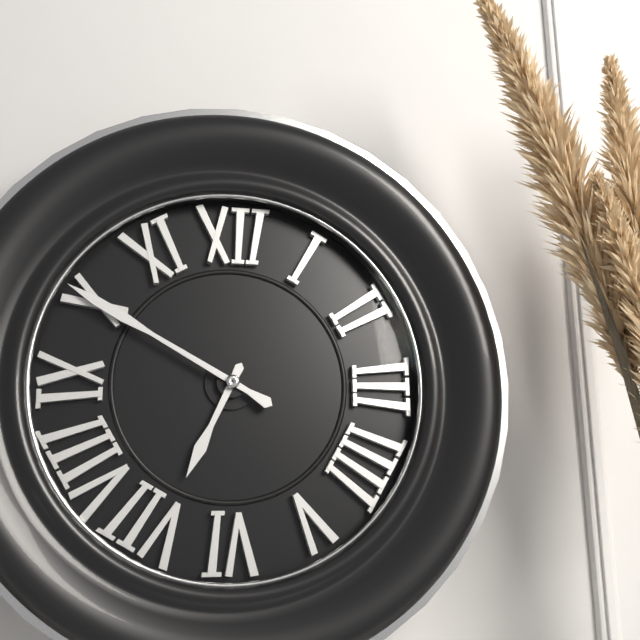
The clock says {"hour": 6, "minute": 50}
